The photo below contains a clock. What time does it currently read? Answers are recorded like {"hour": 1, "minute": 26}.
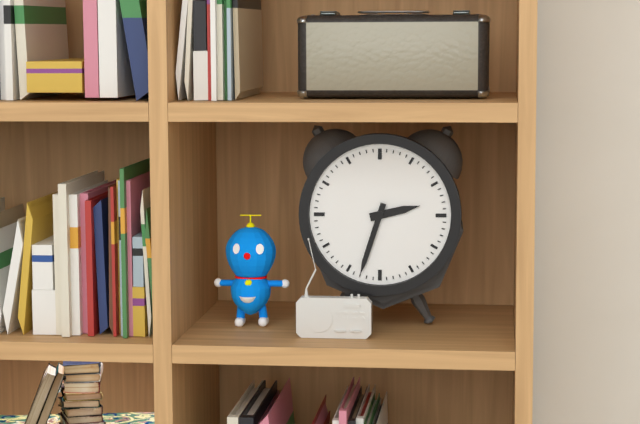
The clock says {"hour": 2, "minute": 33}
